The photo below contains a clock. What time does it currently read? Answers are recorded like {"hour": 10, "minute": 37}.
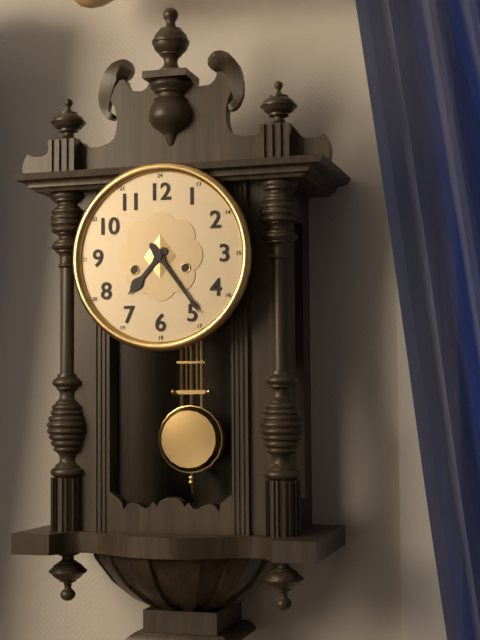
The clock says {"hour": 7, "minute": 24}
